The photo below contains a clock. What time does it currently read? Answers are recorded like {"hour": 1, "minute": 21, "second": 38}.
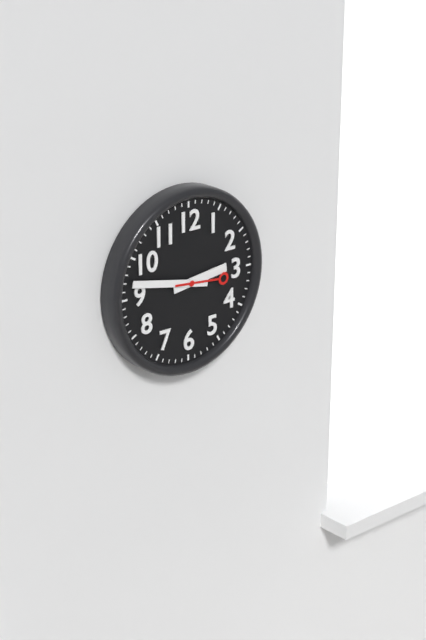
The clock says {"hour": 2, "minute": 47, "second": 16}
